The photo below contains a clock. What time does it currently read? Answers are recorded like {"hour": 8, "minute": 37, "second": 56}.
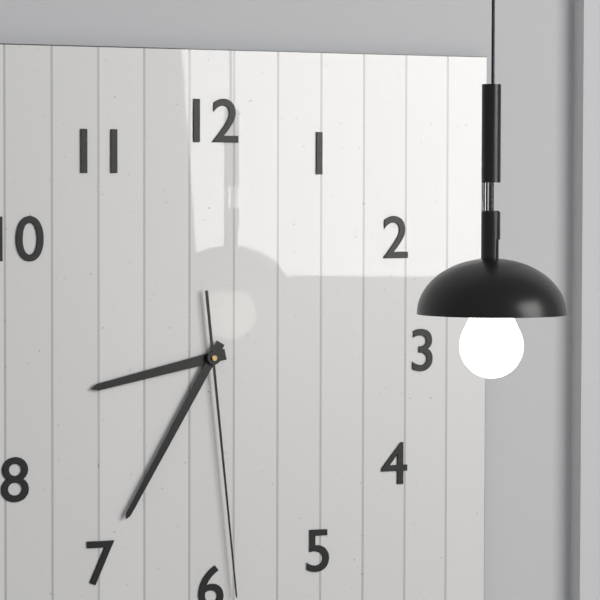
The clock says {"hour": 8, "minute": 35, "second": 29}
